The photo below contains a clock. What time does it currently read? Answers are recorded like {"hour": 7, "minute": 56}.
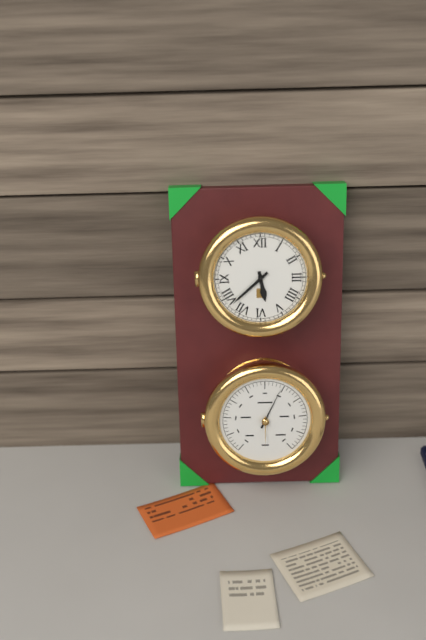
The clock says {"hour": 5, "minute": 38}
